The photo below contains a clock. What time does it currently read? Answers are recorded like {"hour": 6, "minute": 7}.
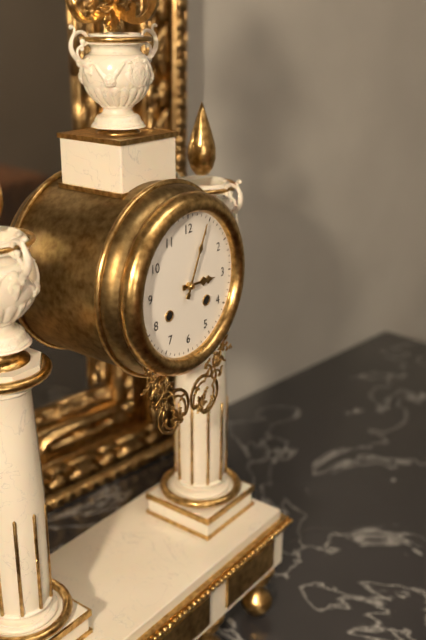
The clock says {"hour": 3, "minute": 4}
